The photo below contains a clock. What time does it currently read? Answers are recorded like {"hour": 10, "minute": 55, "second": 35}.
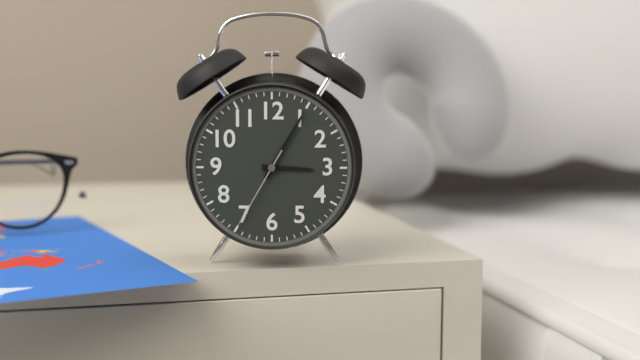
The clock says {"hour": 3, "minute": 5, "second": 35}
